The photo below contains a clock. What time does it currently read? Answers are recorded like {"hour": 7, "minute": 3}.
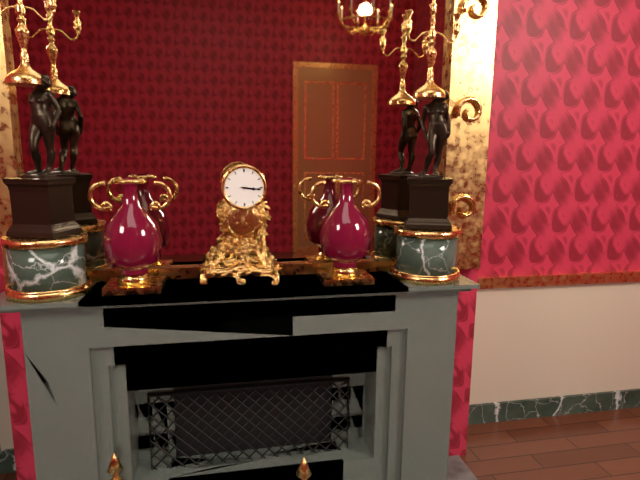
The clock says {"hour": 3, "minute": 16}
